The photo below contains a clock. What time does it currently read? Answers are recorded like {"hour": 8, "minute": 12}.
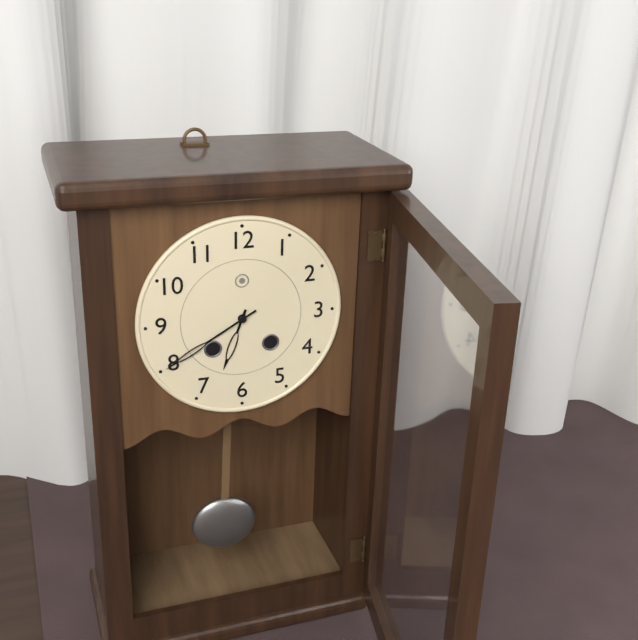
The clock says {"hour": 6, "minute": 40}
